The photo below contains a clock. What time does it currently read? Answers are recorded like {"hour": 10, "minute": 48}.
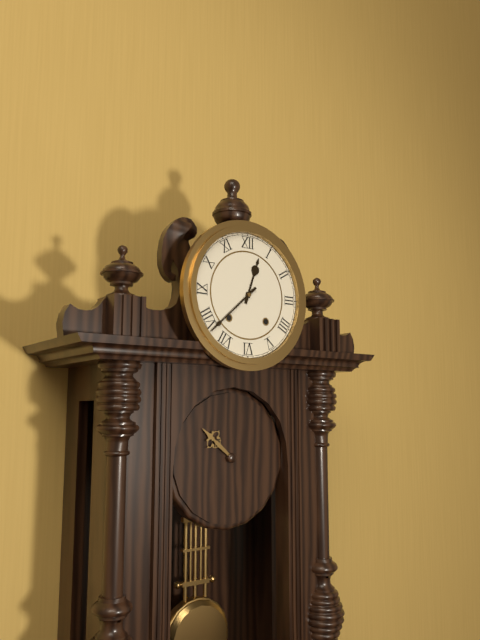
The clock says {"hour": 12, "minute": 38}
